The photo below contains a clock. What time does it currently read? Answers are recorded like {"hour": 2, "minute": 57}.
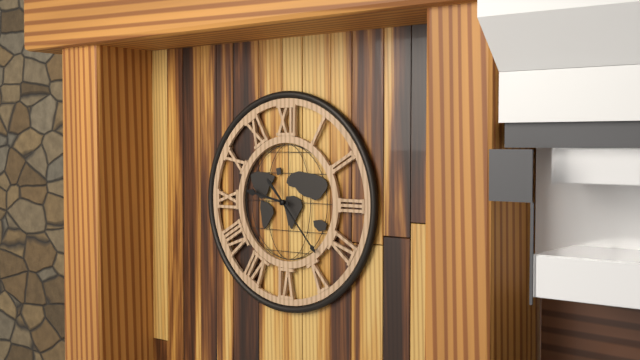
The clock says {"hour": 9, "minute": 23}
